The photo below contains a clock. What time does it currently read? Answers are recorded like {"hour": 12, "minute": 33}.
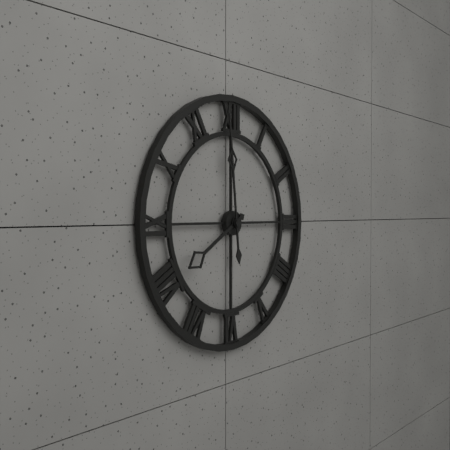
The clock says {"hour": 7, "minute": 59}
